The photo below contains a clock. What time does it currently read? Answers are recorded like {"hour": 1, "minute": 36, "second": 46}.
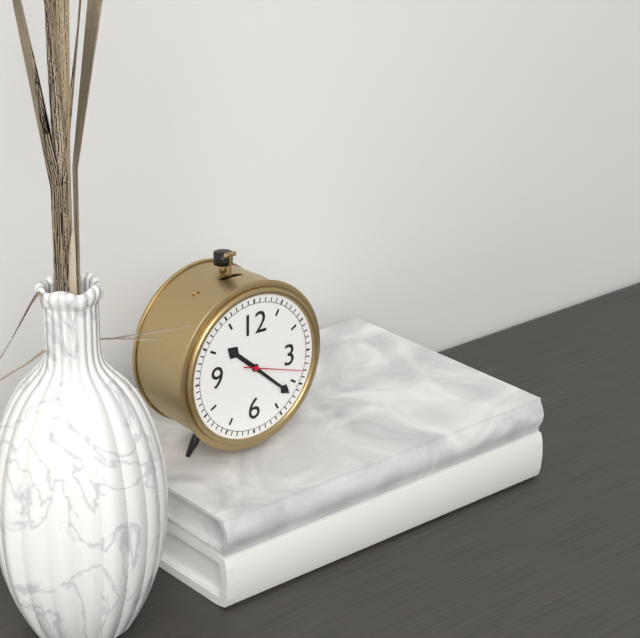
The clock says {"hour": 10, "minute": 22, "second": 18}
